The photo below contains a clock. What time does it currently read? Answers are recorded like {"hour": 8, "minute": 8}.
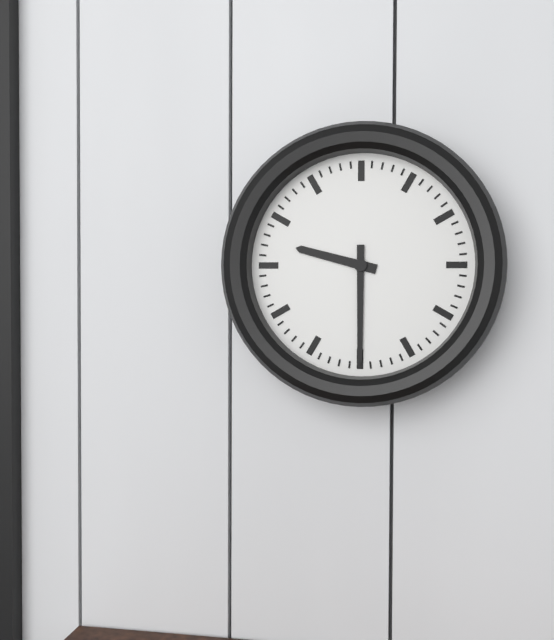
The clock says {"hour": 9, "minute": 30}
